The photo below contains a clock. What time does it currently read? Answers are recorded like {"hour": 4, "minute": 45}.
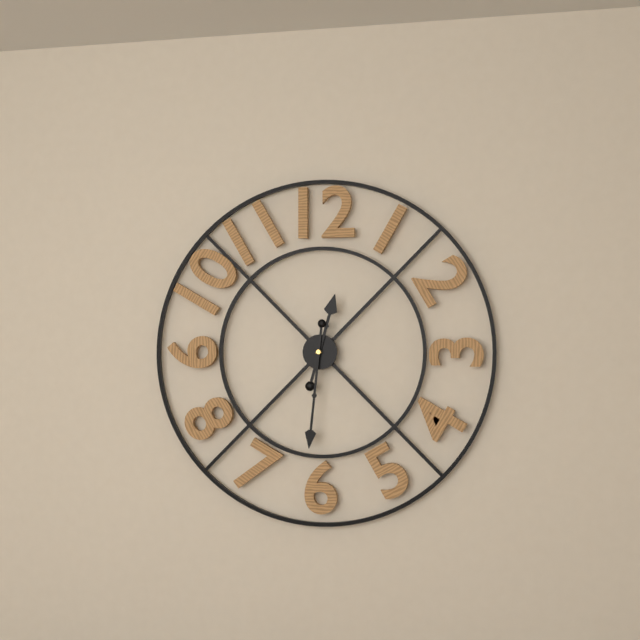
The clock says {"hour": 12, "minute": 31}
